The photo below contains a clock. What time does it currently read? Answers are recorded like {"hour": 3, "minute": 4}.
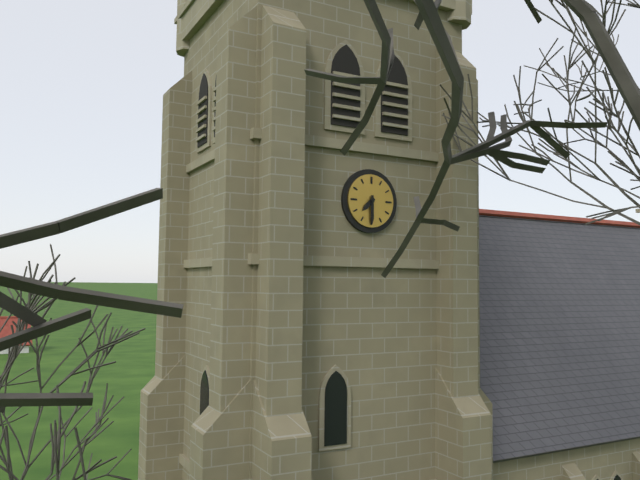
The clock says {"hour": 7, "minute": 30}
